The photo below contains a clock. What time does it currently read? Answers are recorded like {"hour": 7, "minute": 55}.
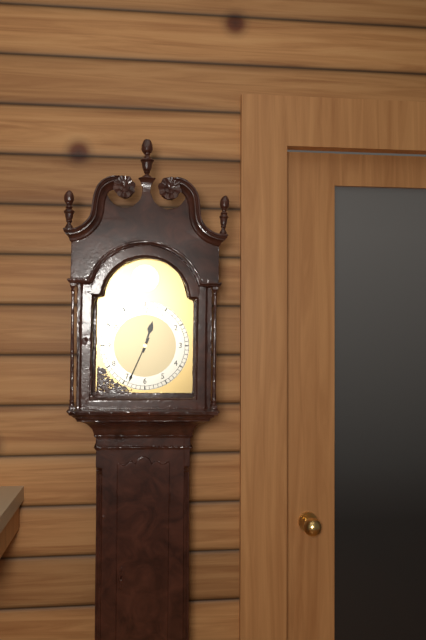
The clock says {"hour": 12, "minute": 34}
